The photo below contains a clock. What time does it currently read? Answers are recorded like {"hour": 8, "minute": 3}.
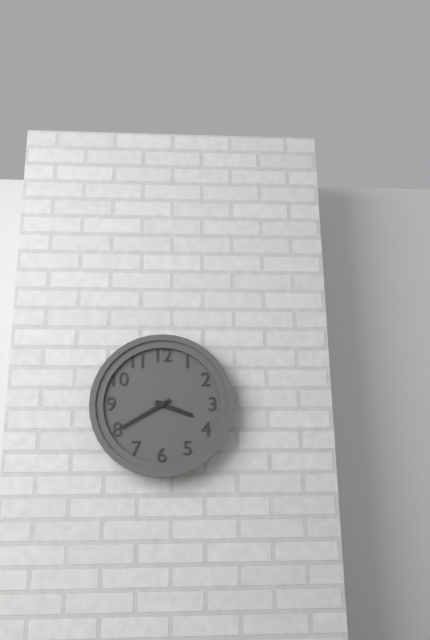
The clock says {"hour": 3, "minute": 40}
